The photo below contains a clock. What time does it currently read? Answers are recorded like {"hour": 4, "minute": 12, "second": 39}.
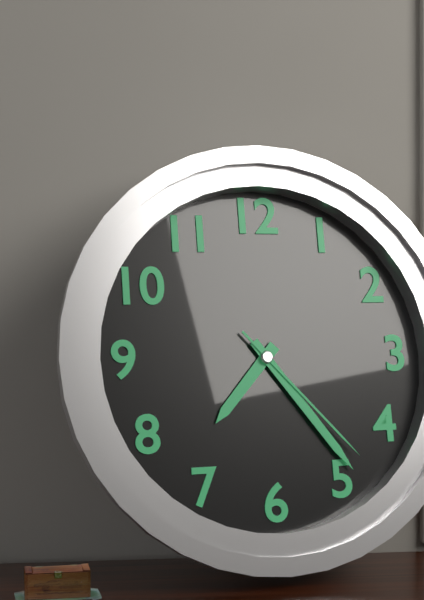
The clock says {"hour": 7, "minute": 24, "second": 23}
